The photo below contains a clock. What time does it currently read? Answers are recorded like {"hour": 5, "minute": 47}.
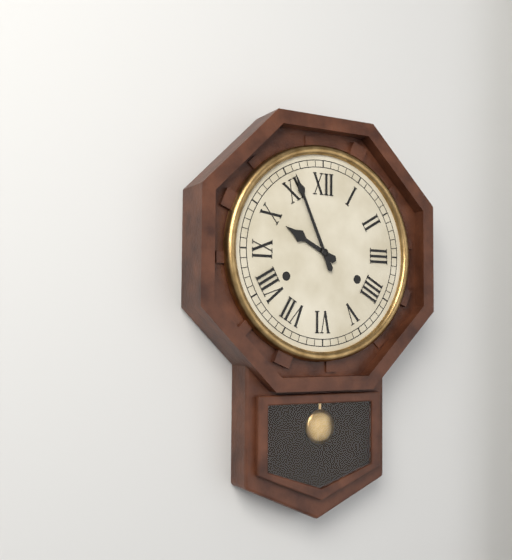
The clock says {"hour": 9, "minute": 56}
